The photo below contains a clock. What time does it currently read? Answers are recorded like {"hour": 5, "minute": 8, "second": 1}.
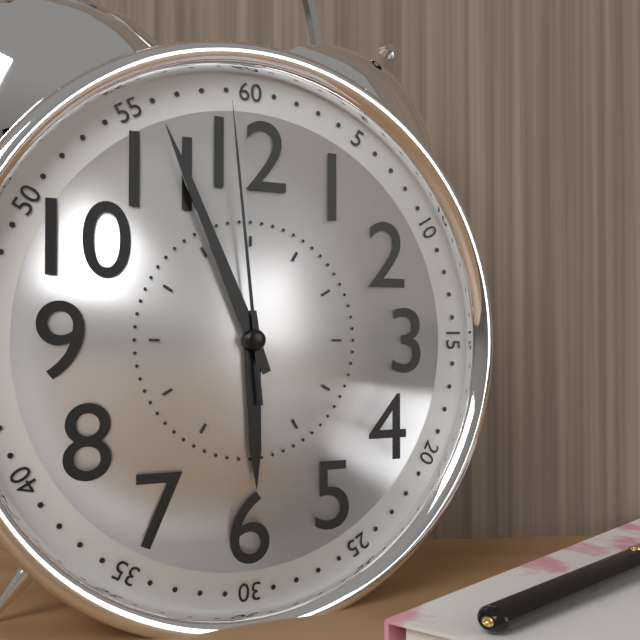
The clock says {"hour": 5, "minute": 56, "second": 59}
